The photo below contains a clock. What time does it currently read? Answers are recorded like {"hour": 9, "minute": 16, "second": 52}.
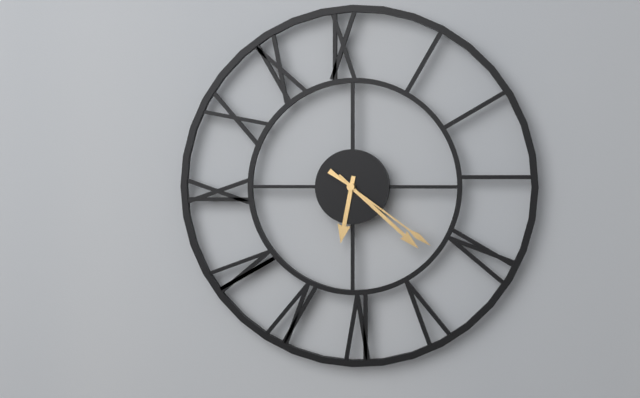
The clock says {"hour": 6, "minute": 22, "second": 21}
